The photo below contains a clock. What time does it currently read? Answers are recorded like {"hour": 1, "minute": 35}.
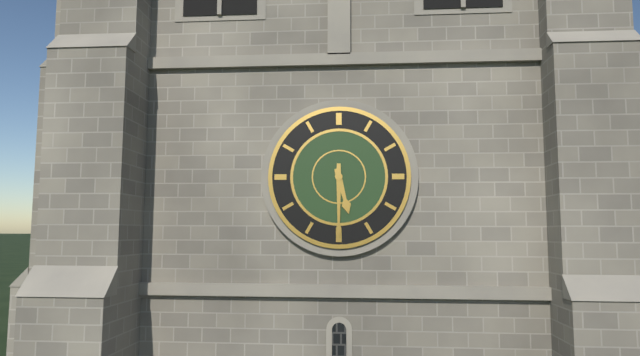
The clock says {"hour": 5, "minute": 30}
